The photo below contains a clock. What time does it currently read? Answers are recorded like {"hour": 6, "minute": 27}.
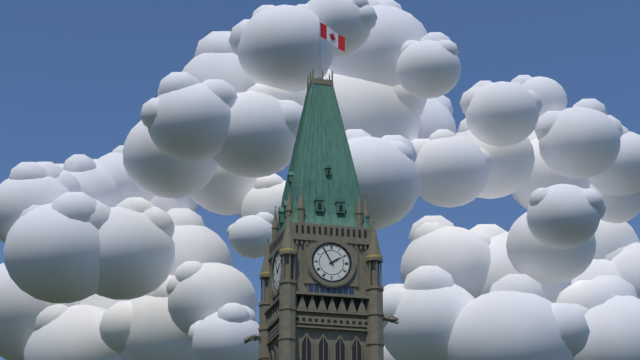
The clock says {"hour": 1, "minute": 55}
